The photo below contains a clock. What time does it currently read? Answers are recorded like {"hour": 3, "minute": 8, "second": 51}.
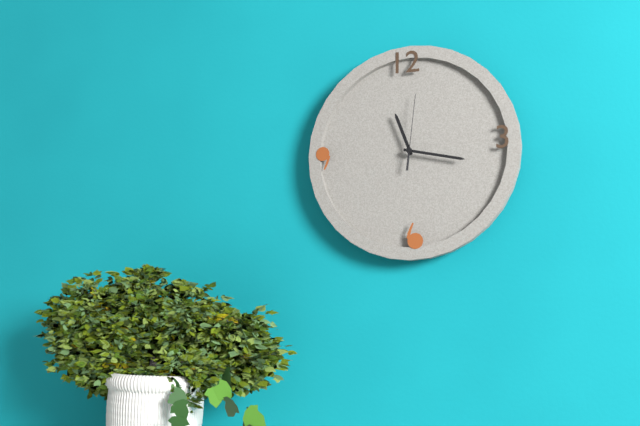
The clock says {"hour": 11, "minute": 17, "second": 1}
